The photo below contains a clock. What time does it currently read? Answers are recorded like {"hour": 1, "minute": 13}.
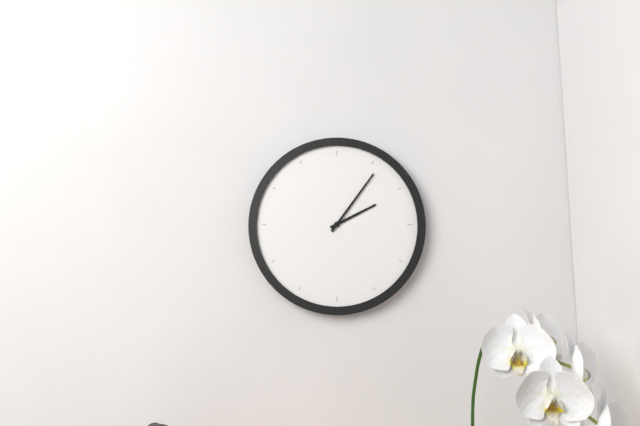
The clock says {"hour": 2, "minute": 6}
